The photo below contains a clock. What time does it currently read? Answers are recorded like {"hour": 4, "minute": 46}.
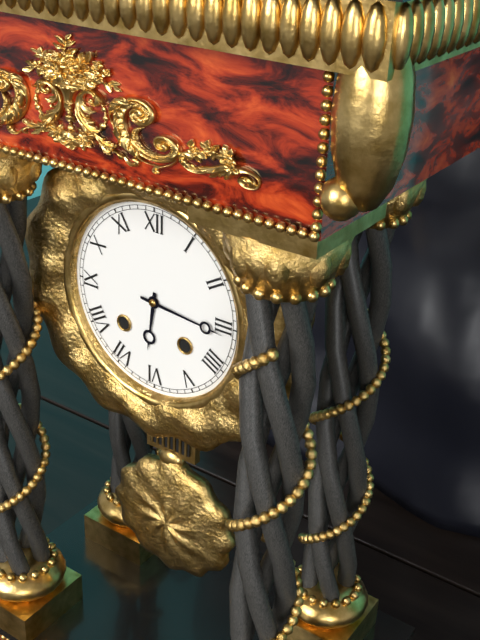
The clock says {"hour": 6, "minute": 16}
